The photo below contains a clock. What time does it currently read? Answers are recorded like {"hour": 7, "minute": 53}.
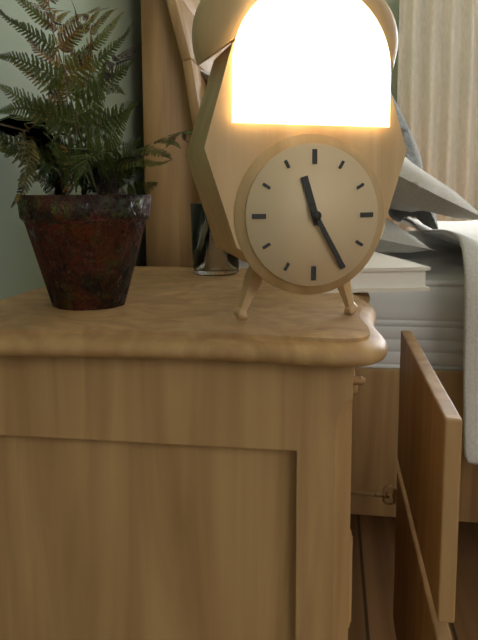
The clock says {"hour": 11, "minute": 25}
